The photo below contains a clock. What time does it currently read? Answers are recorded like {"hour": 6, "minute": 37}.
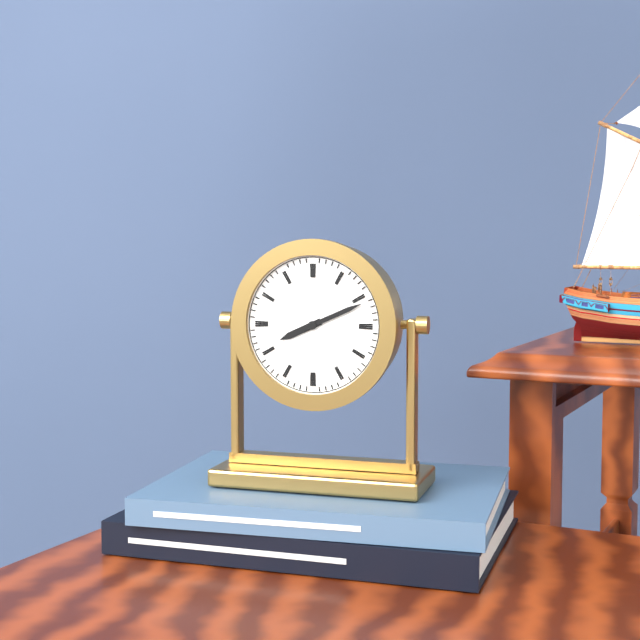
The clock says {"hour": 8, "minute": 11}
